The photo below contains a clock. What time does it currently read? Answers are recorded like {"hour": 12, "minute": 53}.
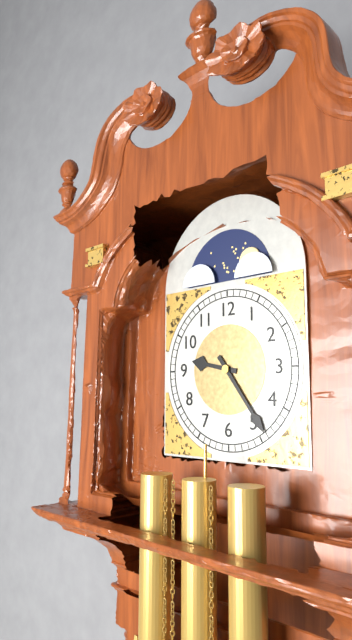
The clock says {"hour": 9, "minute": 24}
